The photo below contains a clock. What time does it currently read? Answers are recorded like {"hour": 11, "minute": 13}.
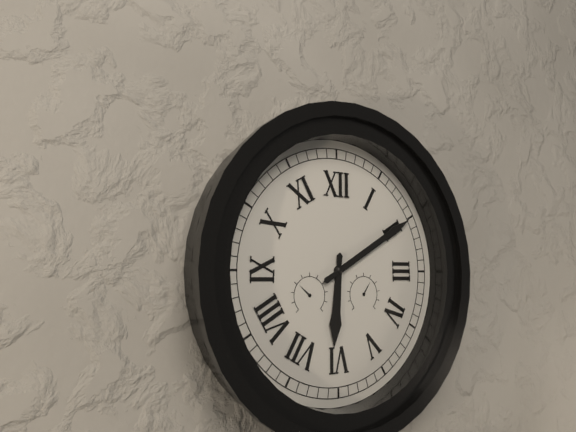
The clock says {"hour": 6, "minute": 10}
